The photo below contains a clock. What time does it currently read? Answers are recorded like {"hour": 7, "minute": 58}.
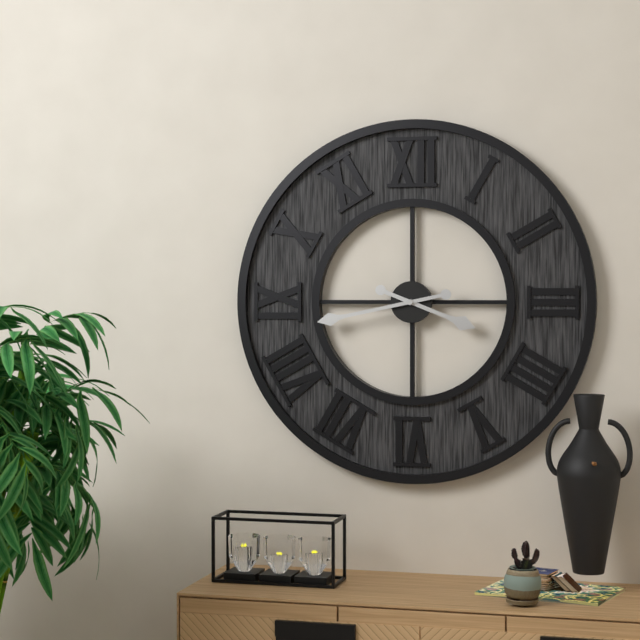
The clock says {"hour": 3, "minute": 43}
